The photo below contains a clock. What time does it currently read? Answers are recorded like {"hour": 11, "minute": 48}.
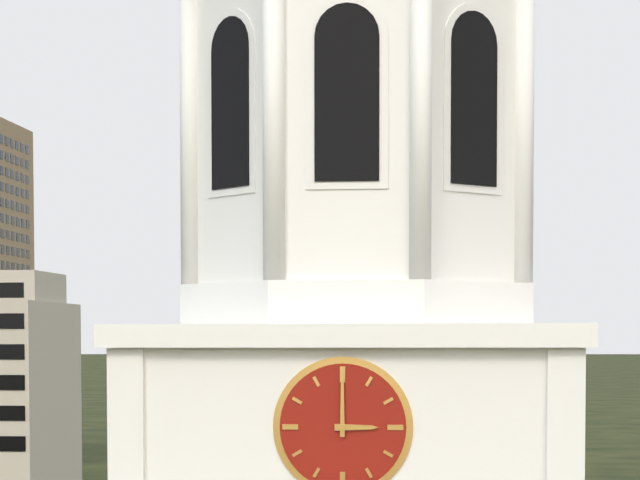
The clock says {"hour": 3, "minute": 0}
